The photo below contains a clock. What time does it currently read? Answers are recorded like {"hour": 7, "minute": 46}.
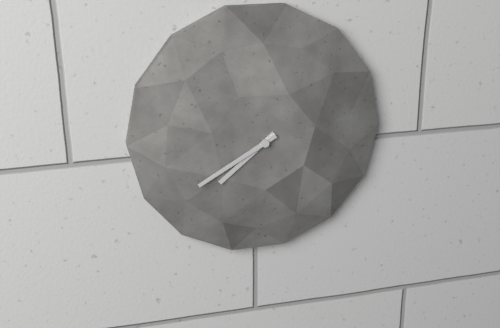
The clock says {"hour": 7, "minute": 40}
